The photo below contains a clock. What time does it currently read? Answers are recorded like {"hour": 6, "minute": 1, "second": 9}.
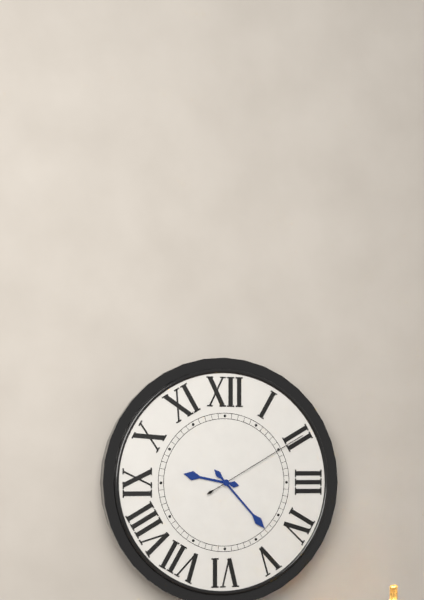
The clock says {"hour": 9, "minute": 23, "second": 10}
